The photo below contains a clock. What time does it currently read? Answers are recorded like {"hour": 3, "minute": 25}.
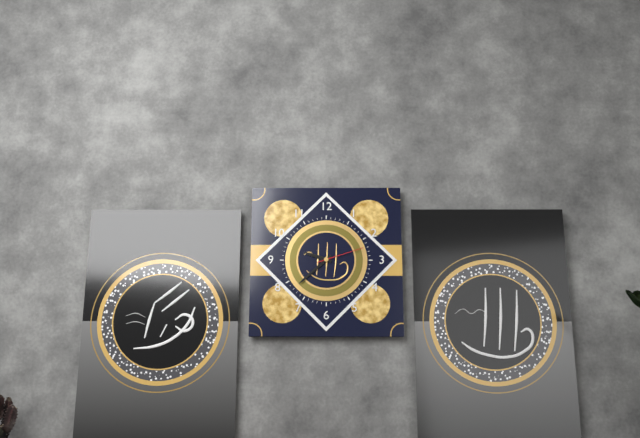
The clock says {"hour": 9, "minute": 38}
